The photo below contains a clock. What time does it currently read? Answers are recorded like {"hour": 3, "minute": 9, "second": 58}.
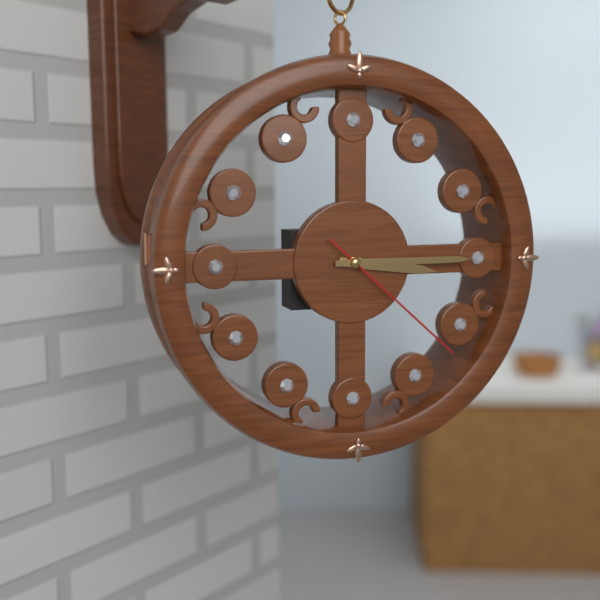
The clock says {"hour": 3, "minute": 15, "second": 22}
